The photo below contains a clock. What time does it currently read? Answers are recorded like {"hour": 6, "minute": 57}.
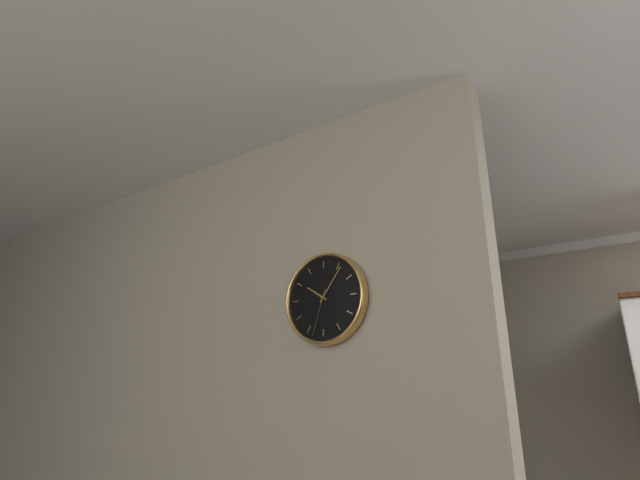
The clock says {"hour": 10, "minute": 6}
